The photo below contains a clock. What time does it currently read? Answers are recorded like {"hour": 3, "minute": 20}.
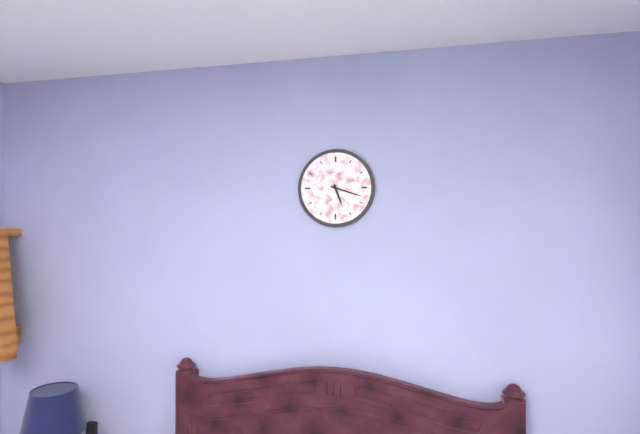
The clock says {"hour": 5, "minute": 18}
